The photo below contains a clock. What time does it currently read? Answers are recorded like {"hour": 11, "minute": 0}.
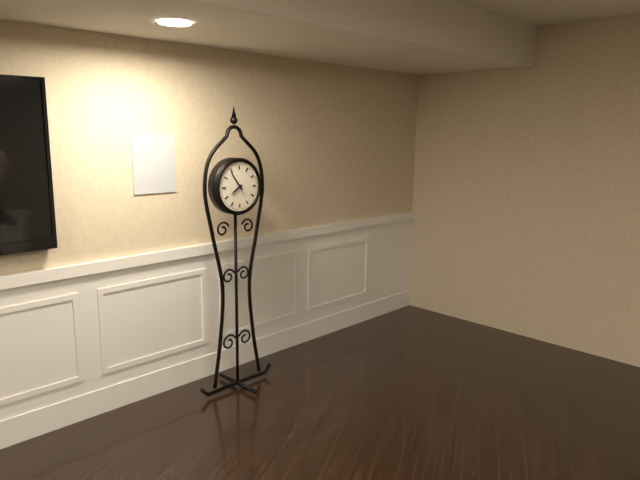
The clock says {"hour": 7, "minute": 54}
